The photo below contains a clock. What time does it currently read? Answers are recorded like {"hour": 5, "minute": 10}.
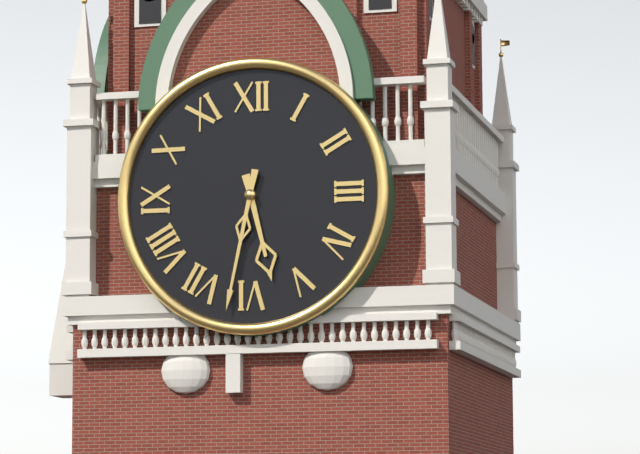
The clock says {"hour": 5, "minute": 32}
